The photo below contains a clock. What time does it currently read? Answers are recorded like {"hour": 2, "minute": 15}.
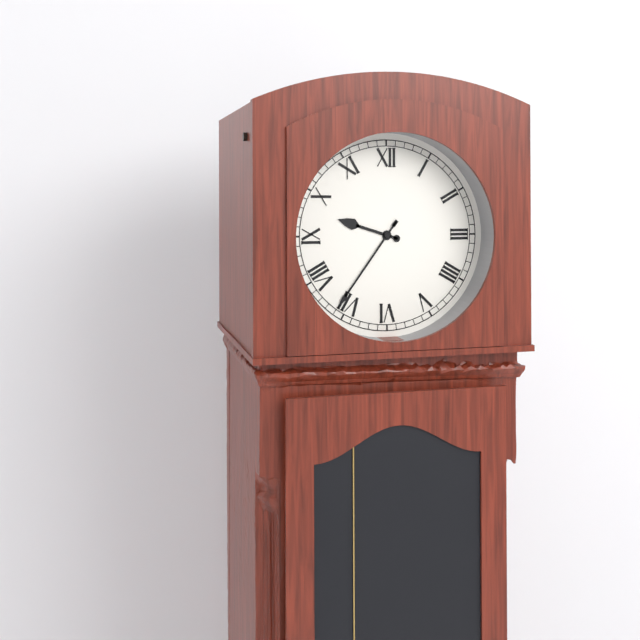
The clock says {"hour": 9, "minute": 36}
